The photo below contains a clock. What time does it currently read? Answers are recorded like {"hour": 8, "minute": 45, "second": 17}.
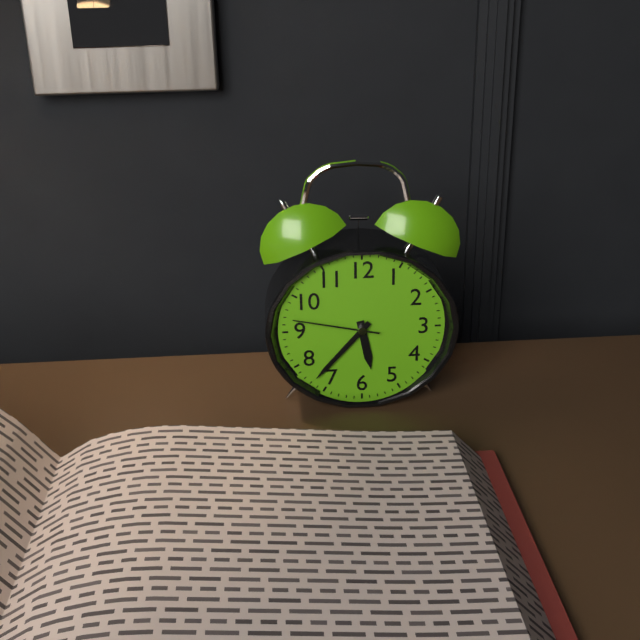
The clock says {"hour": 5, "minute": 37, "second": 47}
